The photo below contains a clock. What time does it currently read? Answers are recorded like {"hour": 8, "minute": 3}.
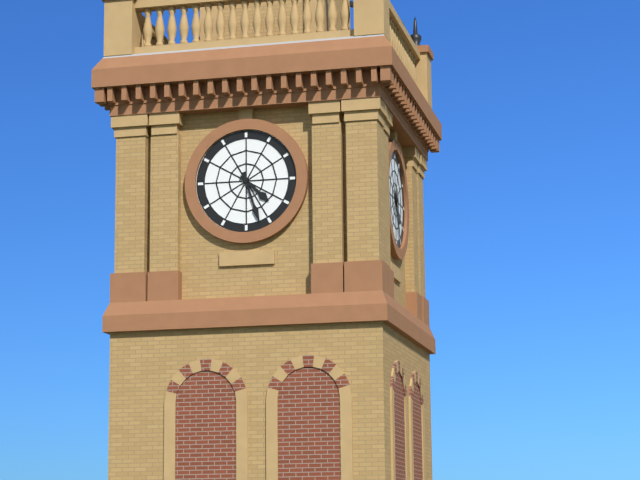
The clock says {"hour": 4, "minute": 27}
